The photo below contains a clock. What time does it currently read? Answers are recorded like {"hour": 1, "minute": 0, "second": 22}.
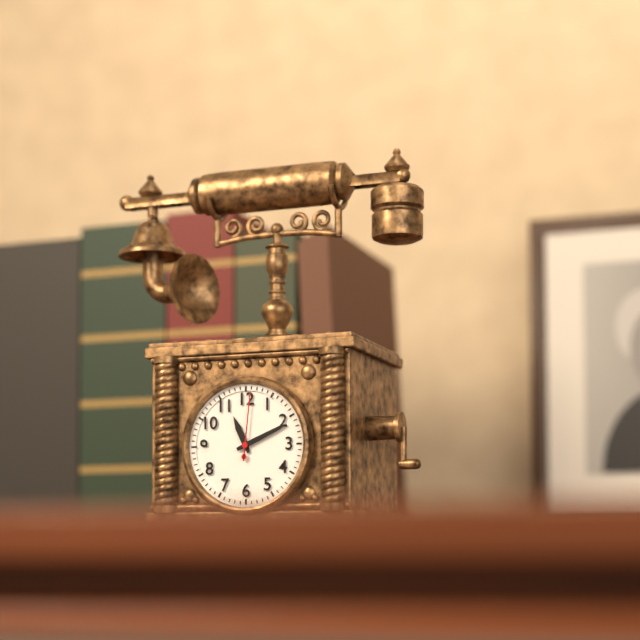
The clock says {"hour": 11, "minute": 11, "second": 1}
